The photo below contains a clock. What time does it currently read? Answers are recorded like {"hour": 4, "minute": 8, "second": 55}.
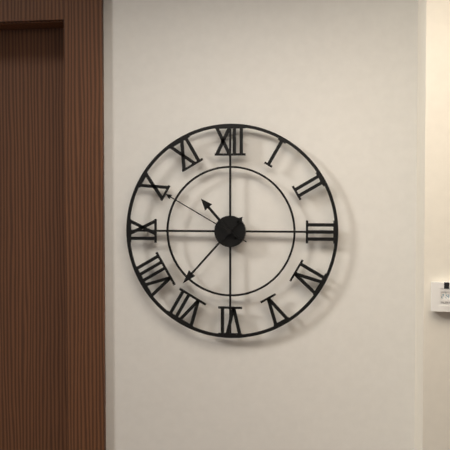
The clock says {"hour": 10, "minute": 37, "second": 50}
